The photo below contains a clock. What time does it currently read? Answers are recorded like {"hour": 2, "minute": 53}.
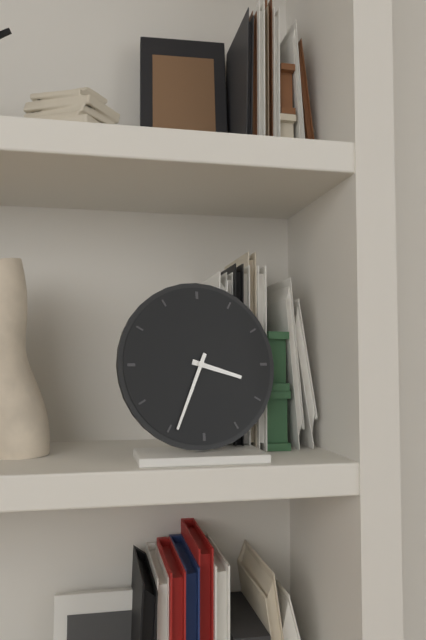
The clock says {"hour": 3, "minute": 34}
